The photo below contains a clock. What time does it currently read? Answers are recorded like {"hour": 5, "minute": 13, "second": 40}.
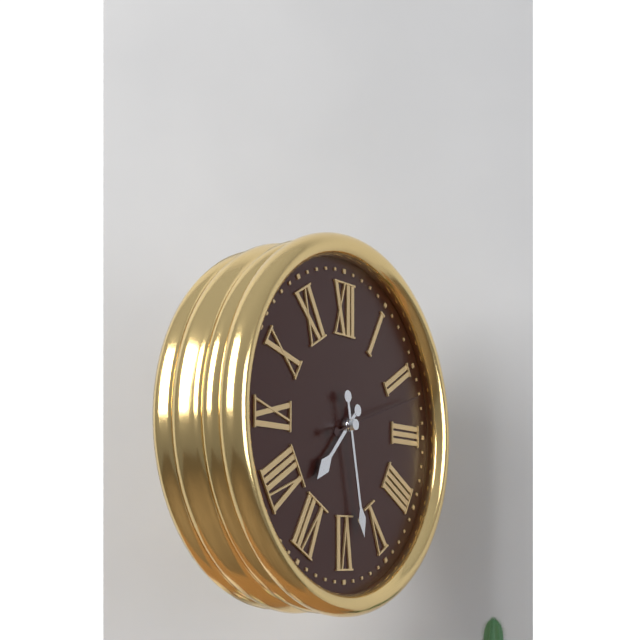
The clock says {"hour": 7, "minute": 28, "second": 12}
